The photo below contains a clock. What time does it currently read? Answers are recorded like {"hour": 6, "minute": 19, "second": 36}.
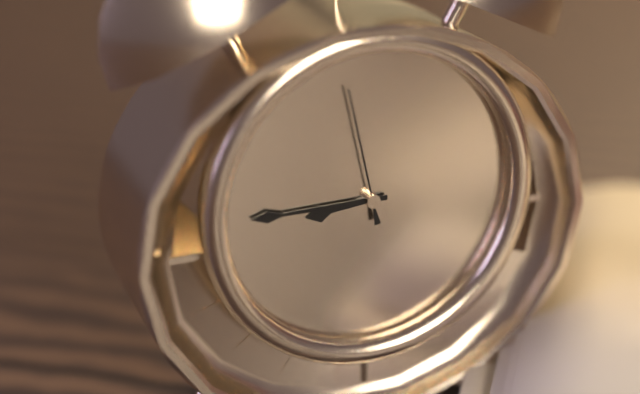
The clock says {"hour": 8, "minute": 45, "second": 58}
